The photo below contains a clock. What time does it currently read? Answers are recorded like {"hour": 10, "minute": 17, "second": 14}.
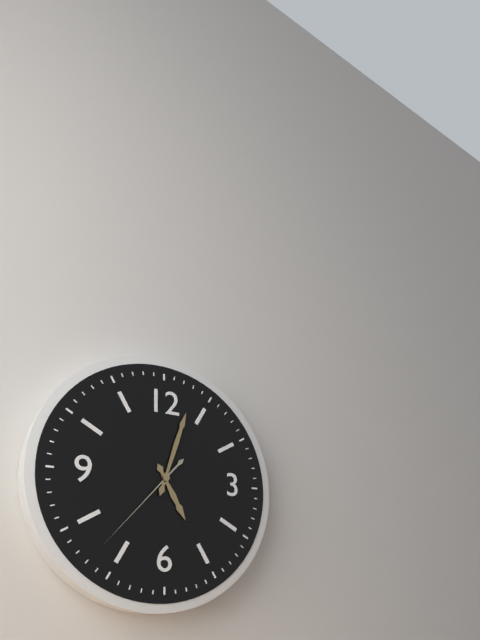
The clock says {"hour": 5, "minute": 3, "second": 37}
